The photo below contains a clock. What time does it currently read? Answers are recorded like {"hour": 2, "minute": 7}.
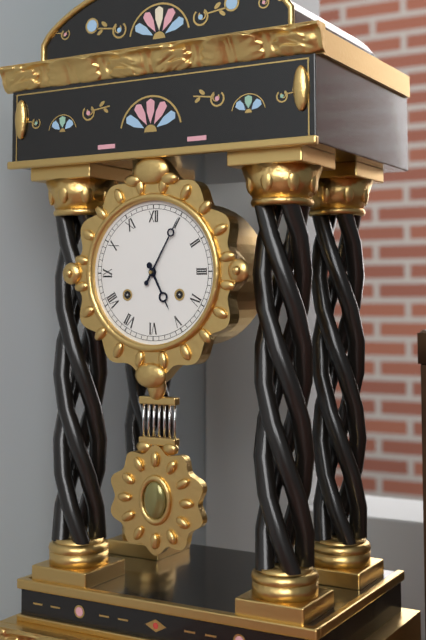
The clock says {"hour": 5, "minute": 5}
